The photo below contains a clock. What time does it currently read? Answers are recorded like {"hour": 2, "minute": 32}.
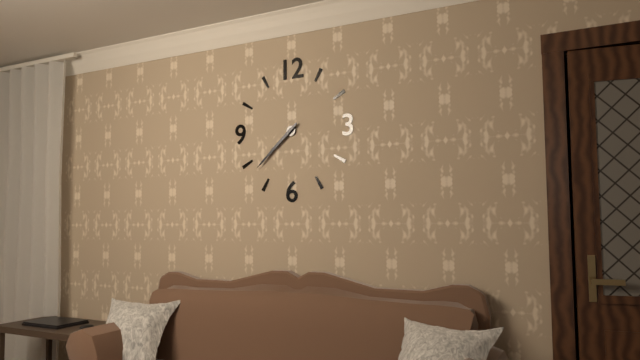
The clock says {"hour": 7, "minute": 38}
